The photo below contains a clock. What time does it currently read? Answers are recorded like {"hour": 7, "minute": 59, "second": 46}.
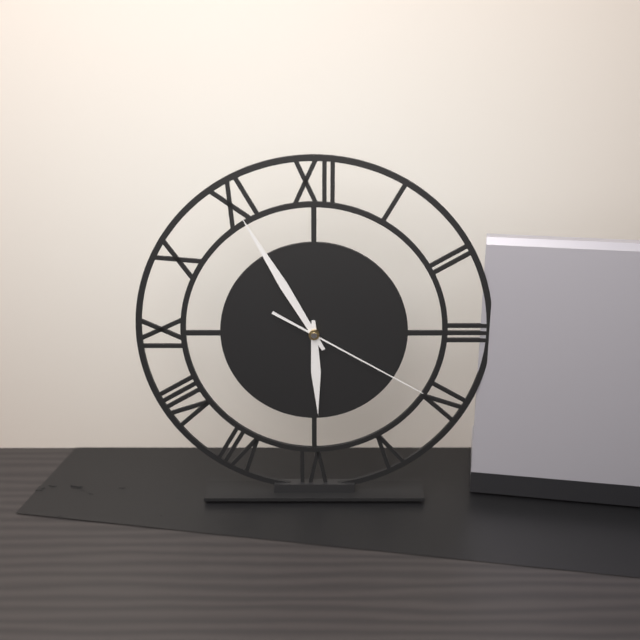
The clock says {"hour": 5, "minute": 55, "second": 20}
